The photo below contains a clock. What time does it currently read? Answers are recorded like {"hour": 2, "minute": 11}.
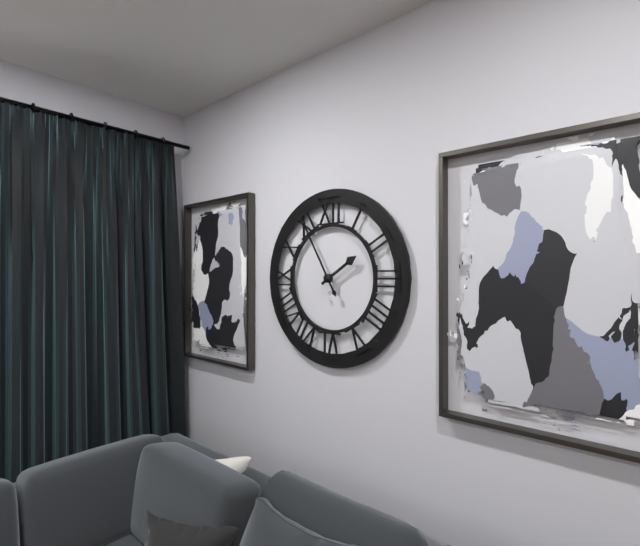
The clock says {"hour": 1, "minute": 55}
